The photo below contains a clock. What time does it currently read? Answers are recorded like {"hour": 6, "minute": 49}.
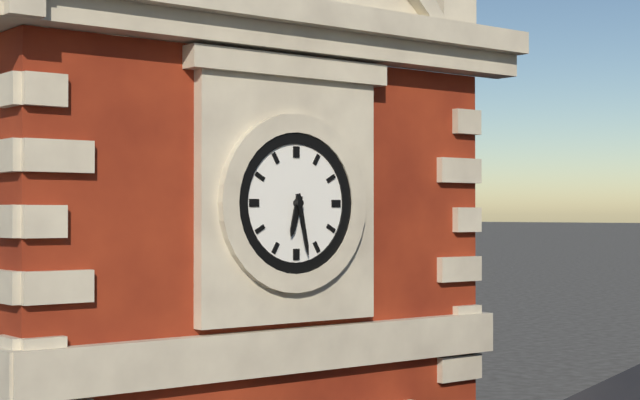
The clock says {"hour": 6, "minute": 28}
